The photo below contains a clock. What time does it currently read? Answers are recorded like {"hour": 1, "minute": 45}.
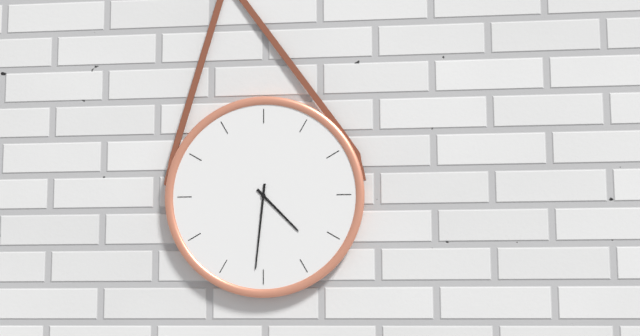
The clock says {"hour": 4, "minute": 31}
